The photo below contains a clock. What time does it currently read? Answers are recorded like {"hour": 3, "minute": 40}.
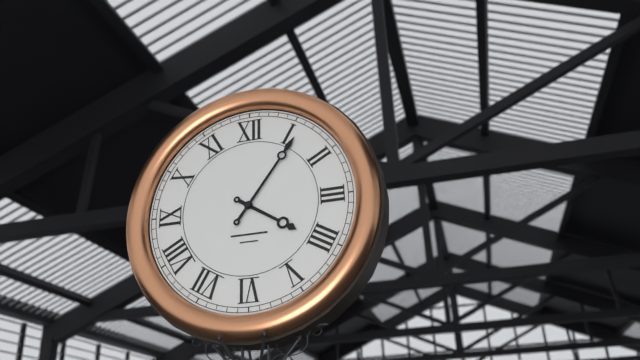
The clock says {"hour": 4, "minute": 6}
